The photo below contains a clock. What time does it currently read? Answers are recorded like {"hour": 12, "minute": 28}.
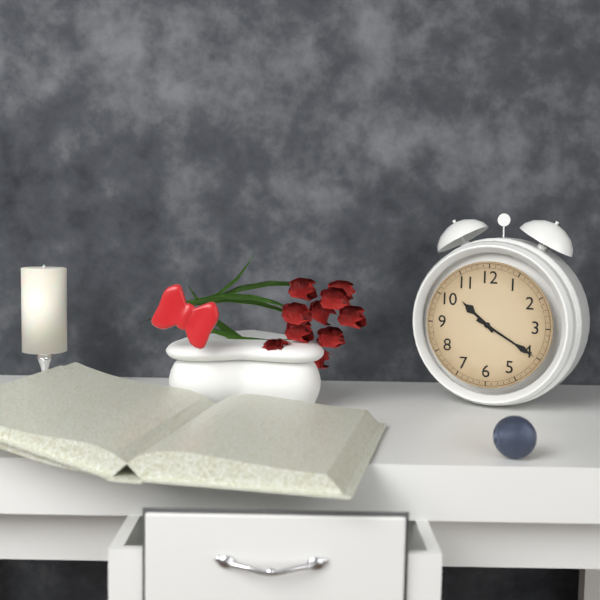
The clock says {"hour": 10, "minute": 20}
